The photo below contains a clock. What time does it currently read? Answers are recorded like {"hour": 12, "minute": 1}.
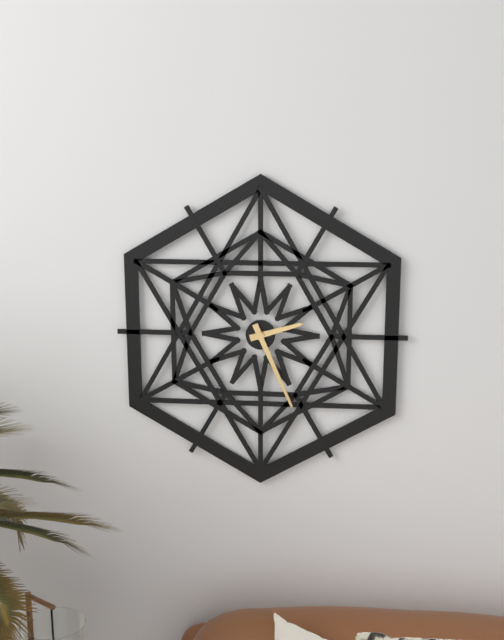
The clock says {"hour": 2, "minute": 26}
